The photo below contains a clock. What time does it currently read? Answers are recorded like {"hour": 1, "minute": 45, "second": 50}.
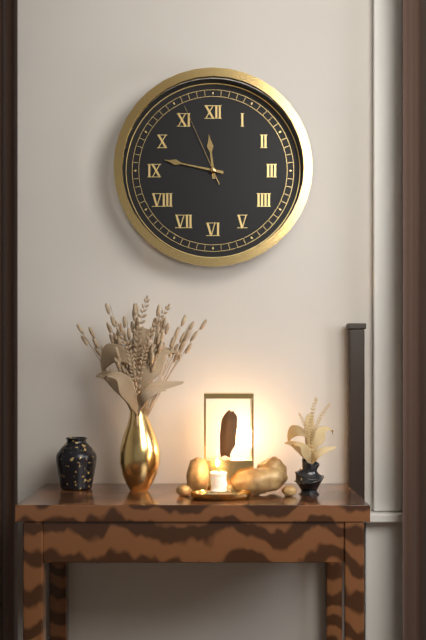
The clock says {"hour": 11, "minute": 47, "second": 56}
